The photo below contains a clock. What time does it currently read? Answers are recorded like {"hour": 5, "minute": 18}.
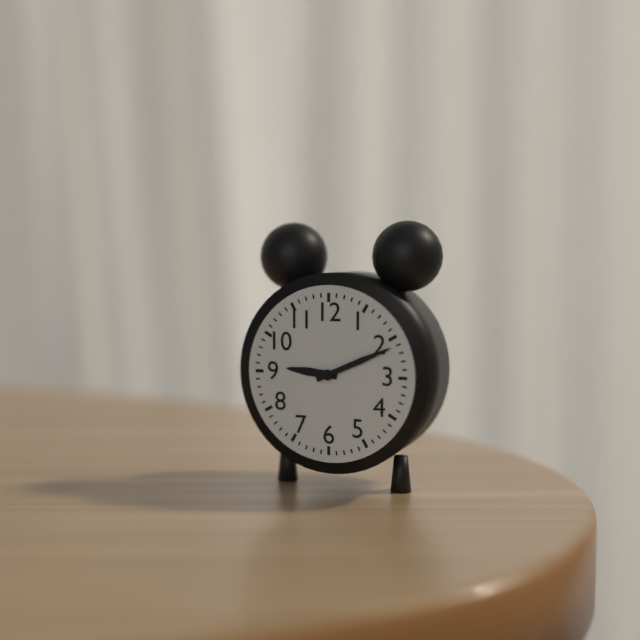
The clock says {"hour": 9, "minute": 11}
